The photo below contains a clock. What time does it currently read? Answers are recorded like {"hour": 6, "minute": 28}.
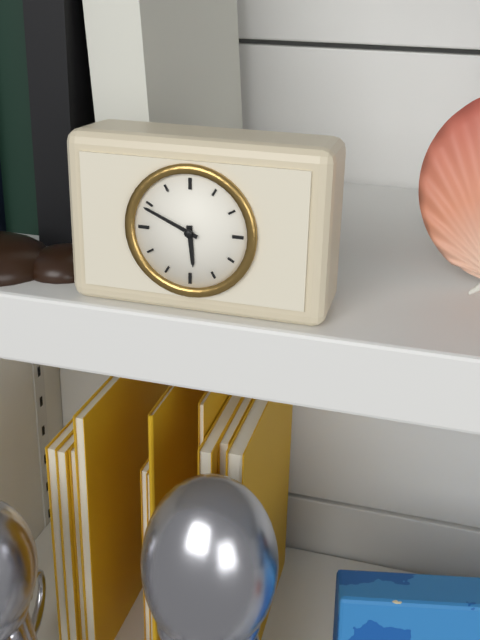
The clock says {"hour": 5, "minute": 49}
